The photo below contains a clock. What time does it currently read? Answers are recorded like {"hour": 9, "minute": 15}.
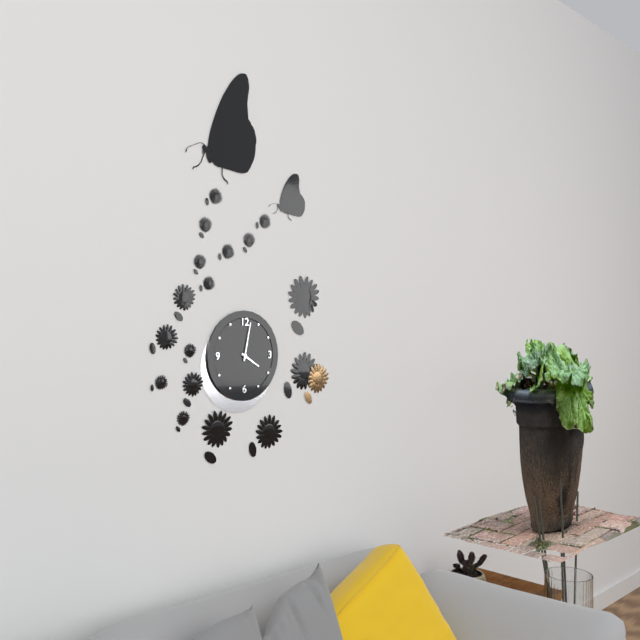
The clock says {"hour": 4, "minute": 2}
